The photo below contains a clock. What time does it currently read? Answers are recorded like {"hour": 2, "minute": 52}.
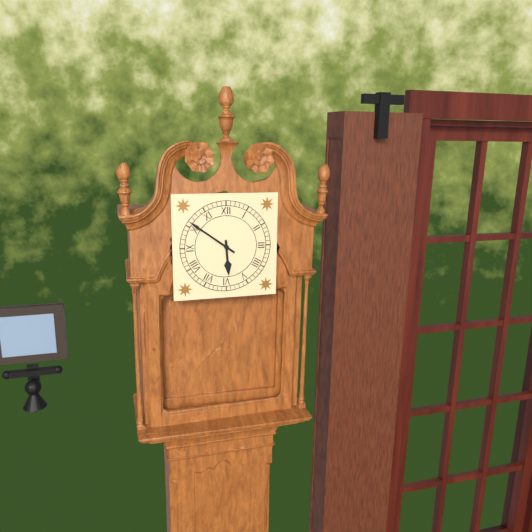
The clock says {"hour": 5, "minute": 51}
